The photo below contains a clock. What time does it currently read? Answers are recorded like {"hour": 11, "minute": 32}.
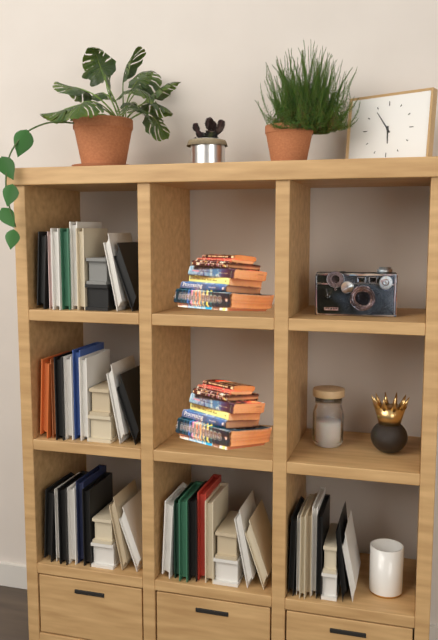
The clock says {"hour": 5, "minute": 54}
